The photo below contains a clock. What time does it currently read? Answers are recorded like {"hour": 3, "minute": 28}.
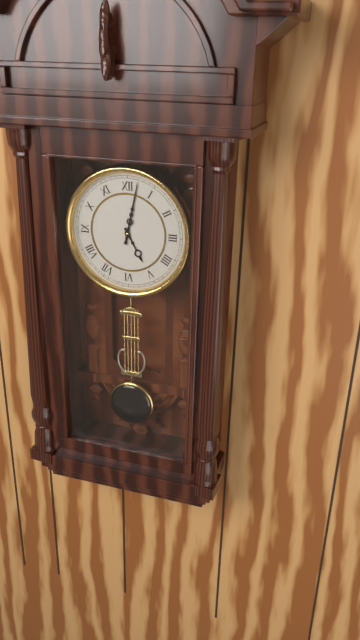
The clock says {"hour": 5, "minute": 2}
